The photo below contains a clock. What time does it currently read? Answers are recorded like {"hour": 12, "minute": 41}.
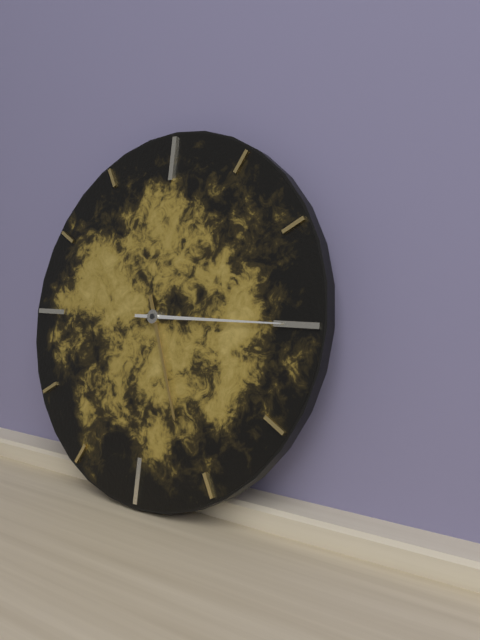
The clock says {"hour": 5, "minute": 15}
